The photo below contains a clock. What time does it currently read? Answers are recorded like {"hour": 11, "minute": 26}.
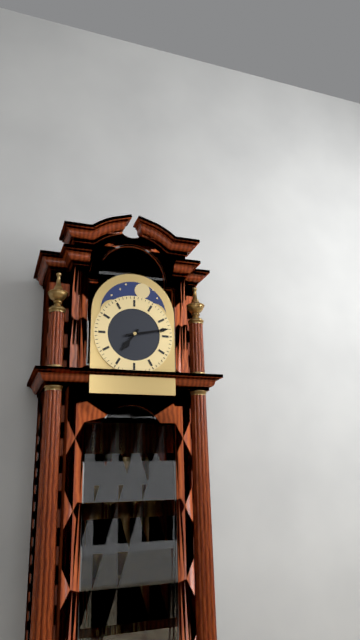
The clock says {"hour": 7, "minute": 13}
